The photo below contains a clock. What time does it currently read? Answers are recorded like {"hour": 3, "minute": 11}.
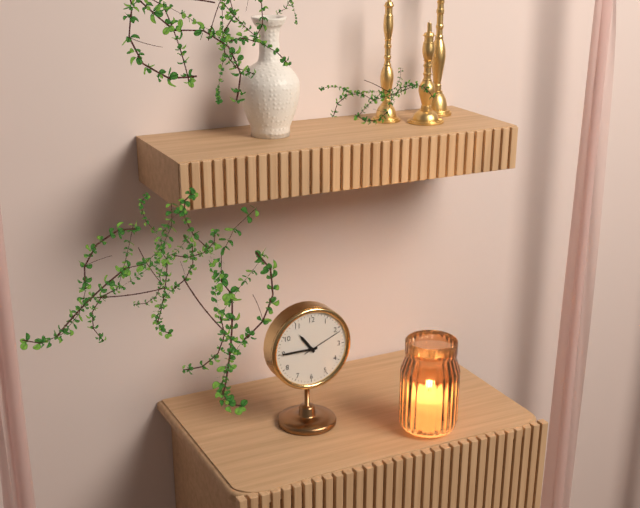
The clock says {"hour": 10, "minute": 45}
